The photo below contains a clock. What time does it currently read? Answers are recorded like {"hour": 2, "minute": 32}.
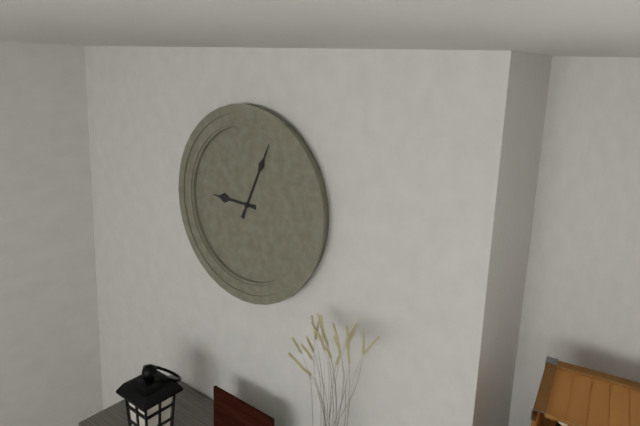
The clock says {"hour": 9, "minute": 4}
